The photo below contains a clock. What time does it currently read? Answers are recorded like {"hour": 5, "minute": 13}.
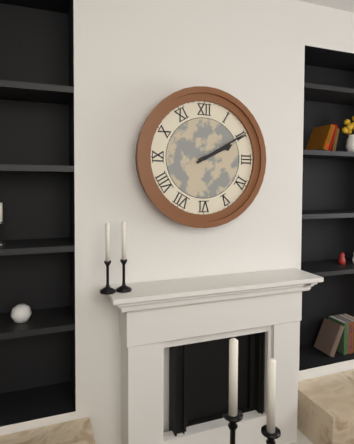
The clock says {"hour": 2, "minute": 10}
